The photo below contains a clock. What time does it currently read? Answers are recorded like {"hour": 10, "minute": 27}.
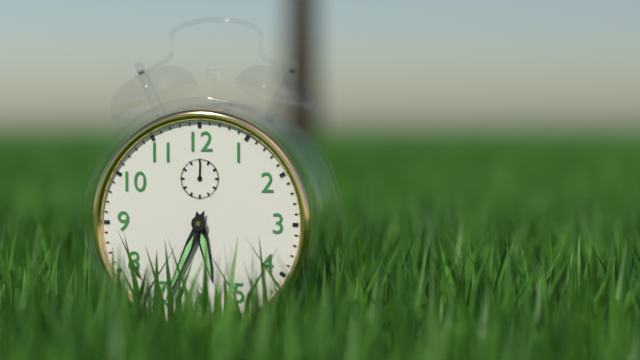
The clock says {"hour": 5, "minute": 34}
